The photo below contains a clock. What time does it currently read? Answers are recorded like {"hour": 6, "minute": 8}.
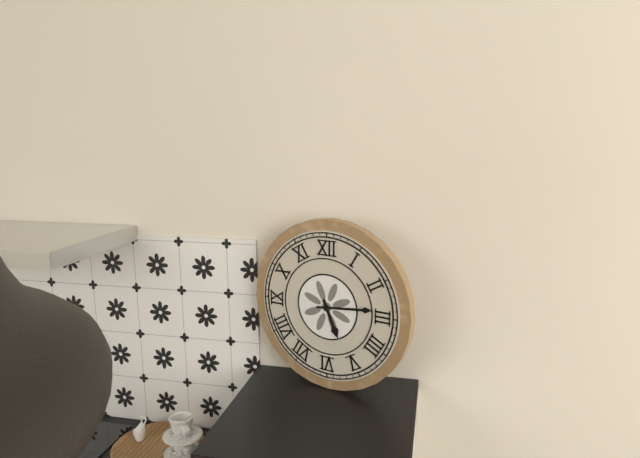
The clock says {"hour": 5, "minute": 14}
